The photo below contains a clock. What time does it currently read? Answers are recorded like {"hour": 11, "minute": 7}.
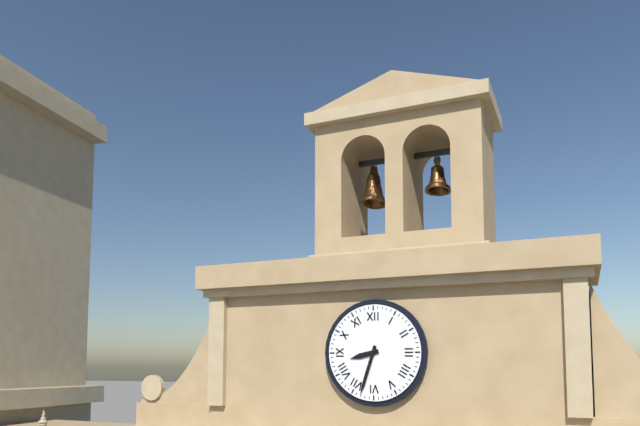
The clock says {"hour": 8, "minute": 33}
